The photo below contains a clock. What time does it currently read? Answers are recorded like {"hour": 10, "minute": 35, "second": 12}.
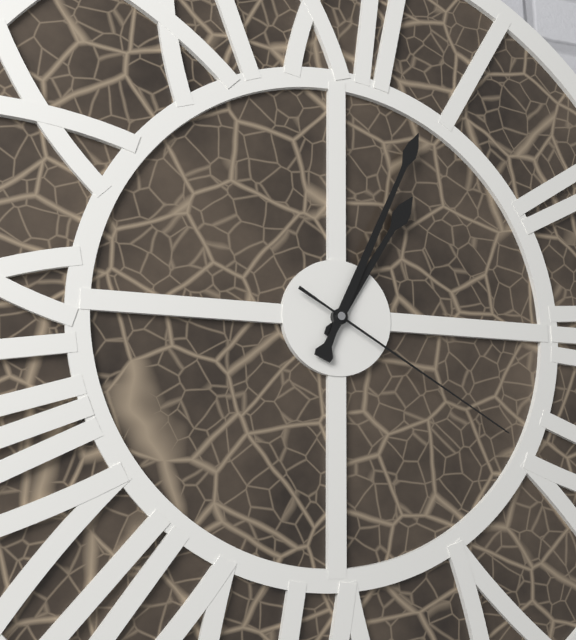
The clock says {"hour": 1, "minute": 4, "second": 20}
